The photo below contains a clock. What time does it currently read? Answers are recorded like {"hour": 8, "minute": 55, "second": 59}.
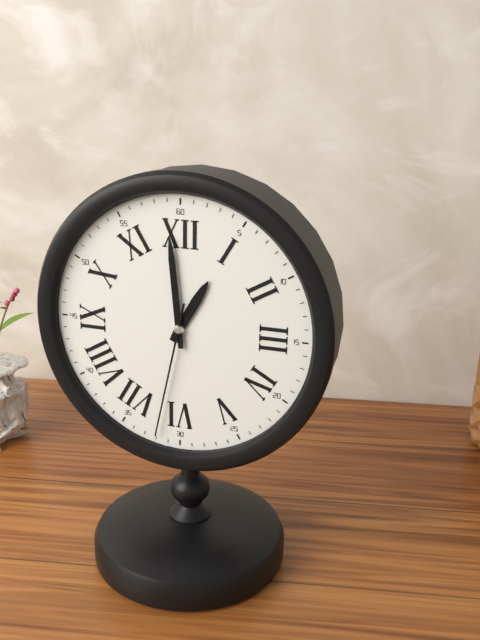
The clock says {"hour": 12, "minute": 59, "second": 32}
